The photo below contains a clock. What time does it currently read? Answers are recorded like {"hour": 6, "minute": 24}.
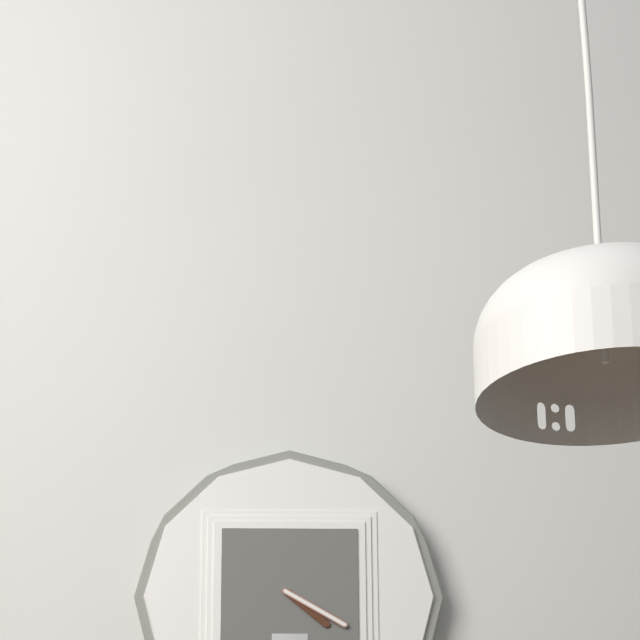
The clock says {"hour": 4, "minute": 20}
